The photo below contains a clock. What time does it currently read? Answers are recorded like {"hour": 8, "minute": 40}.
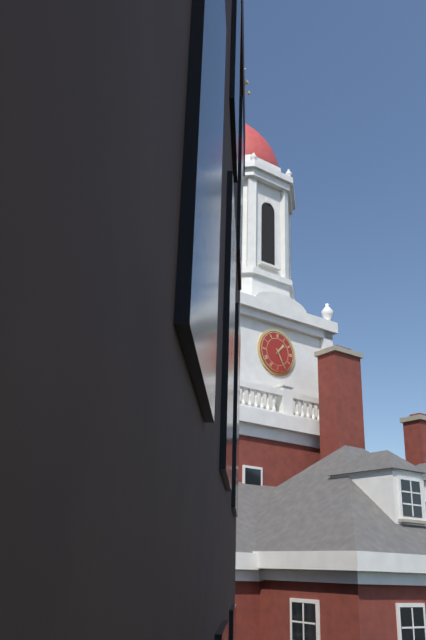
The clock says {"hour": 1, "minute": 25}
